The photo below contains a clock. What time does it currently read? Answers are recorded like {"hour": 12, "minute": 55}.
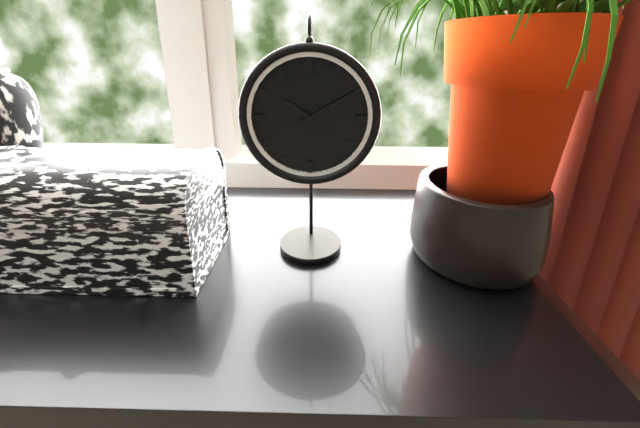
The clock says {"hour": 10, "minute": 10}
